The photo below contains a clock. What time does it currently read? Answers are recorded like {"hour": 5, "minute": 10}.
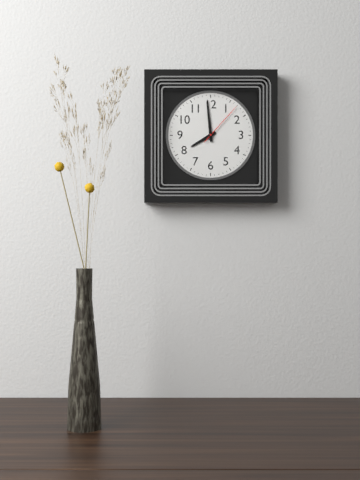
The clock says {"hour": 7, "minute": 59}
